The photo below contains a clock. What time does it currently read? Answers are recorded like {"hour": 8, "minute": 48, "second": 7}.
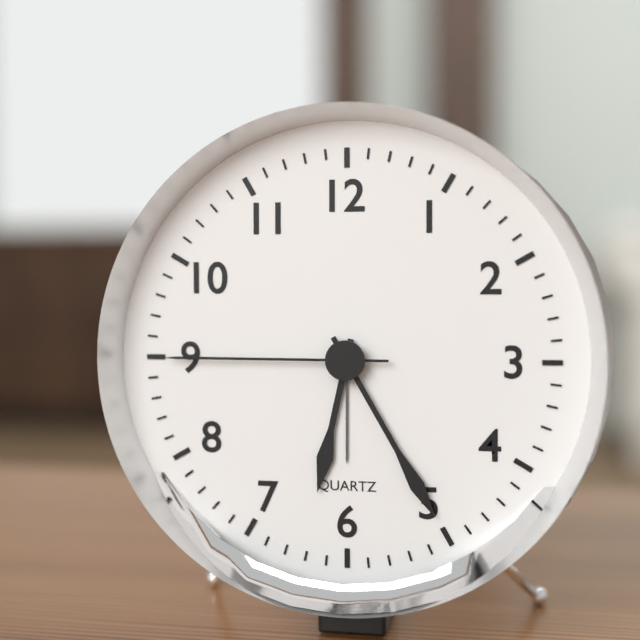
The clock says {"hour": 6, "minute": 25, "second": 45}
